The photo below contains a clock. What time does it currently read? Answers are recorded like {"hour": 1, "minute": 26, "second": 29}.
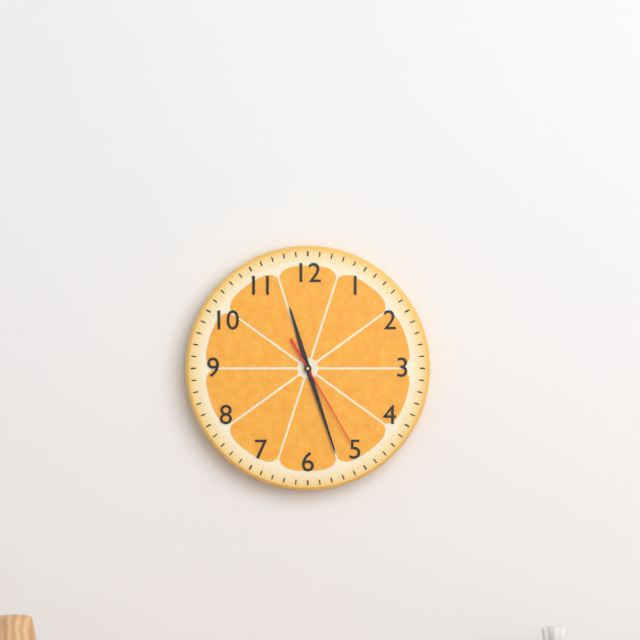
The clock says {"hour": 11, "minute": 27, "second": 25}
